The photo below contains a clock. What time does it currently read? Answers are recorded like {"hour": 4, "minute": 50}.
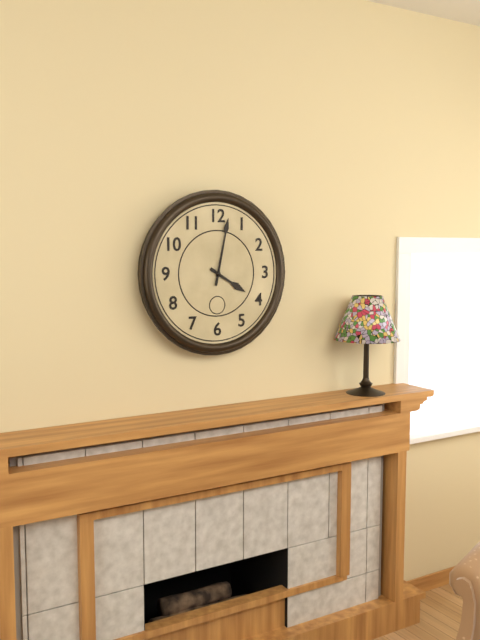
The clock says {"hour": 4, "minute": 2}
